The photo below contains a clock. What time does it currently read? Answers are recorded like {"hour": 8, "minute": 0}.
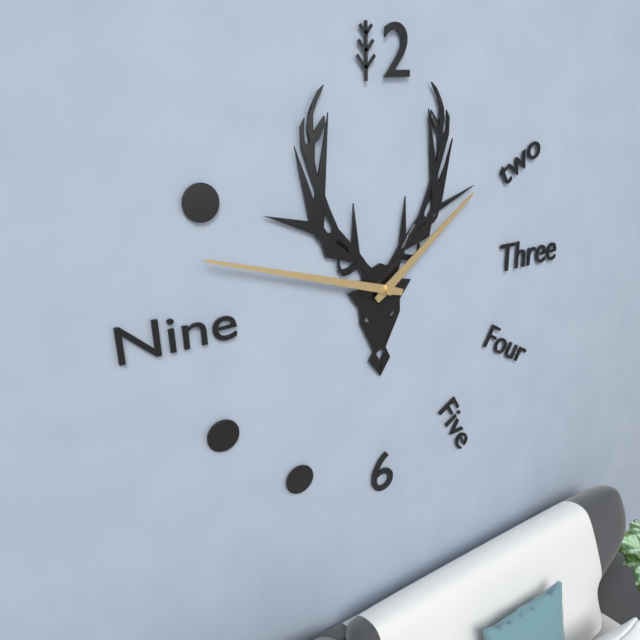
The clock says {"hour": 1, "minute": 48}
